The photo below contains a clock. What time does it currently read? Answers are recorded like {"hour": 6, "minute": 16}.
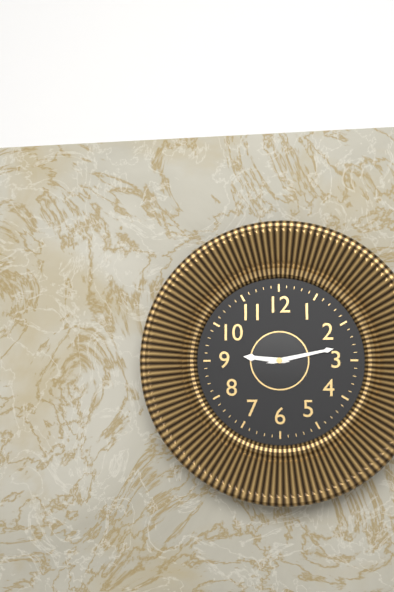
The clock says {"hour": 9, "minute": 13}
